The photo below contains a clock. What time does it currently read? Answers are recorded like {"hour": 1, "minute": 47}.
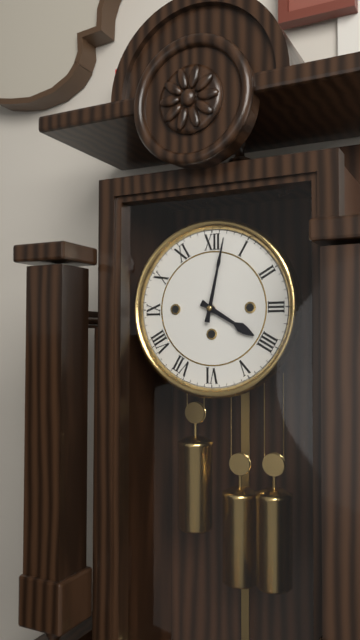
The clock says {"hour": 4, "minute": 2}
